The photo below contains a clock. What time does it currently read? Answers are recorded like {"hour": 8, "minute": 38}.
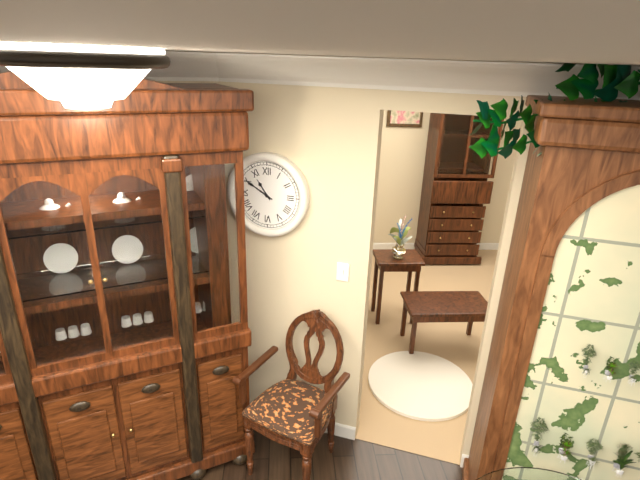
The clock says {"hour": 10, "minute": 50}
